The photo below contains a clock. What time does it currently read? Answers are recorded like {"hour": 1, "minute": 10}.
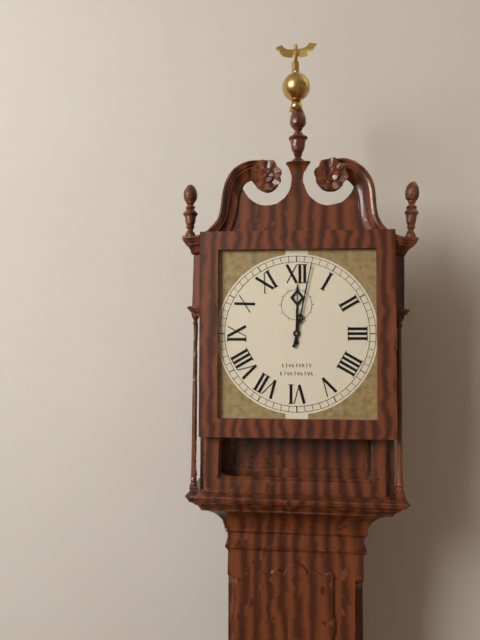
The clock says {"hour": 12, "minute": 2}
